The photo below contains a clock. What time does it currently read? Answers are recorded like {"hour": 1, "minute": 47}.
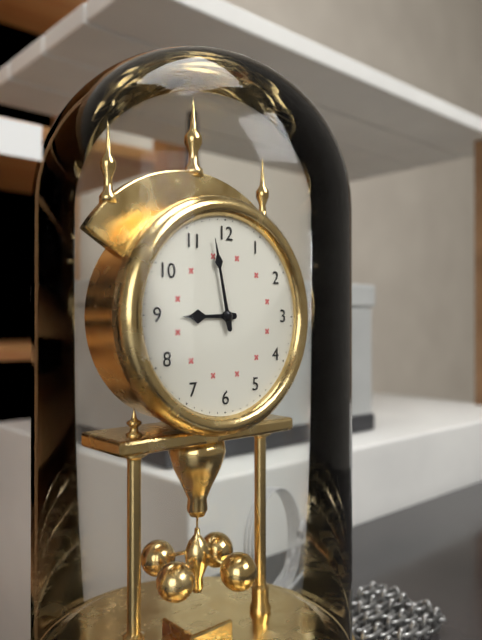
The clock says {"hour": 8, "minute": 58}
